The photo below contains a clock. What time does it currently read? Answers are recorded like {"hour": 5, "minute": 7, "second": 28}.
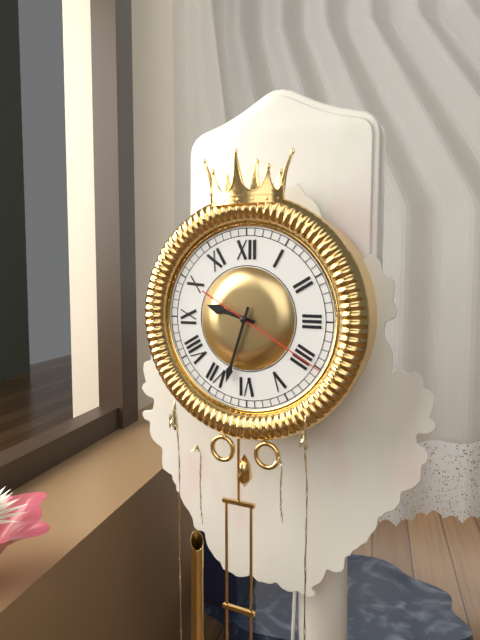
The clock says {"hour": 9, "minute": 33, "second": 20}
